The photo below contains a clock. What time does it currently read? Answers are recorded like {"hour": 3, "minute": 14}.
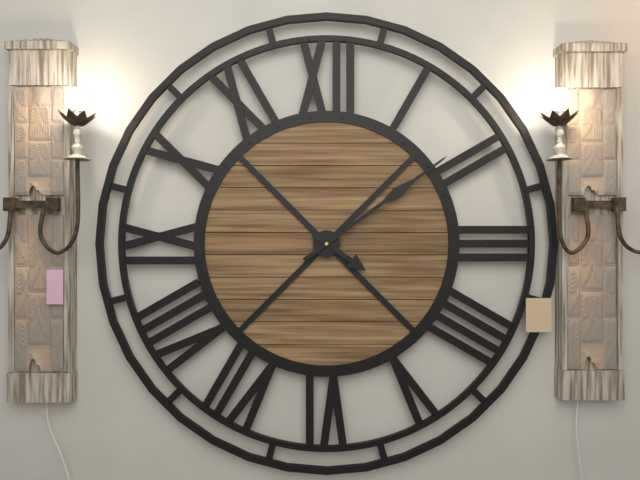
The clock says {"hour": 4, "minute": 9}
